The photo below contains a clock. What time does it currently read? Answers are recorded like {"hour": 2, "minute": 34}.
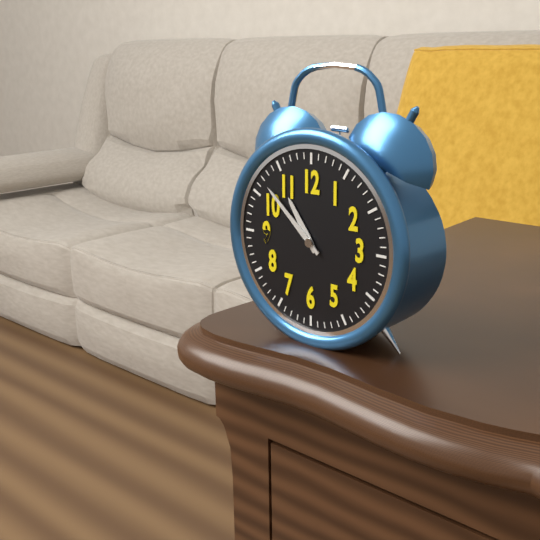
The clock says {"hour": 10, "minute": 52}
